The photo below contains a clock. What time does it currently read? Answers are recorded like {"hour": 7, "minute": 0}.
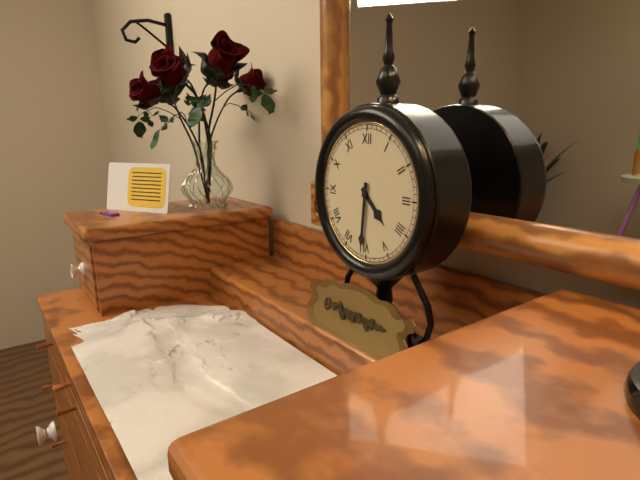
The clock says {"hour": 4, "minute": 31}
